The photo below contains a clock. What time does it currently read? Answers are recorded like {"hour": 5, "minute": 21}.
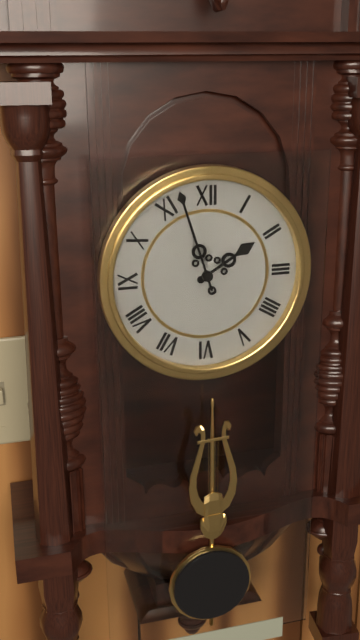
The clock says {"hour": 1, "minute": 57}
